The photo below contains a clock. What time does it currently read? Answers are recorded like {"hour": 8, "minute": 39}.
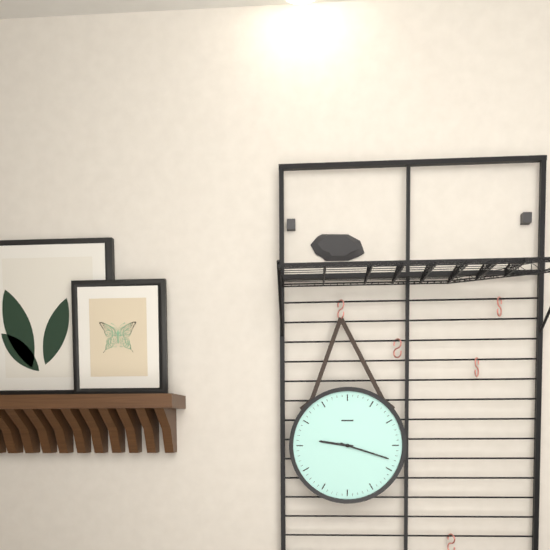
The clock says {"hour": 9, "minute": 18}
